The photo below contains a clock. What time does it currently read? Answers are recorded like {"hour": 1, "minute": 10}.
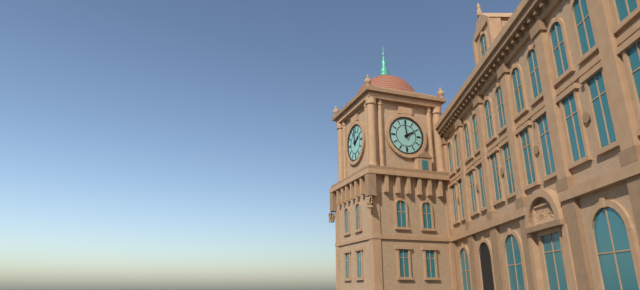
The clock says {"hour": 1, "minute": 59}
